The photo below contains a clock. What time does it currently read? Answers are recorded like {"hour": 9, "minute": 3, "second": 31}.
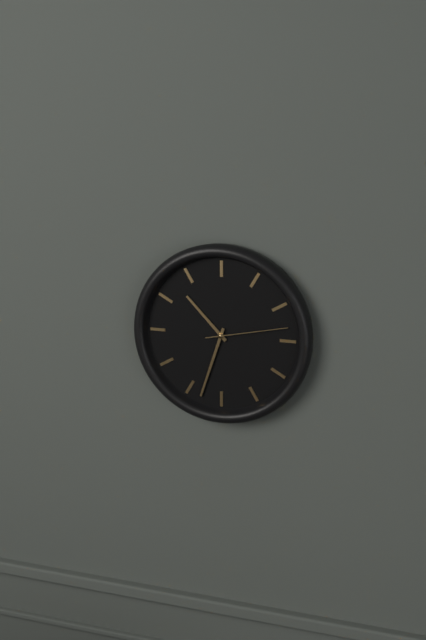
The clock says {"hour": 10, "minute": 33, "second": 13}
